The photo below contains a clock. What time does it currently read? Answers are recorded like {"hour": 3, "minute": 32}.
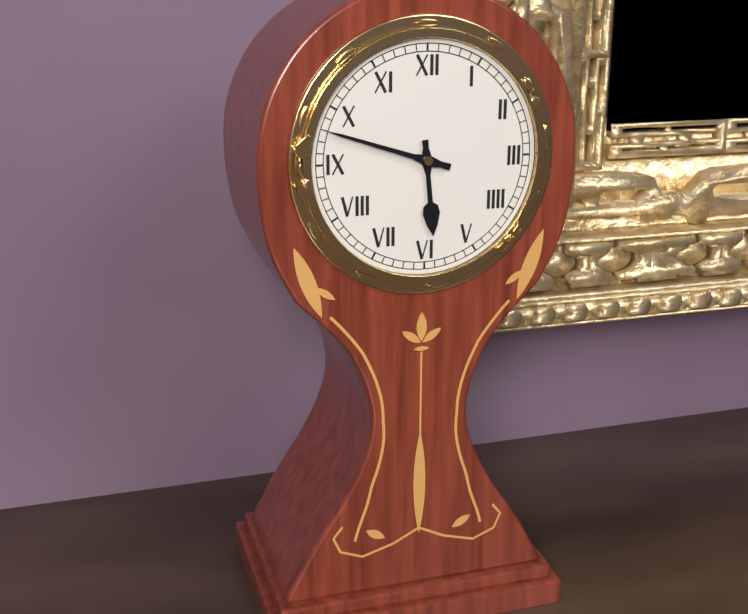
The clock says {"hour": 5, "minute": 48}
